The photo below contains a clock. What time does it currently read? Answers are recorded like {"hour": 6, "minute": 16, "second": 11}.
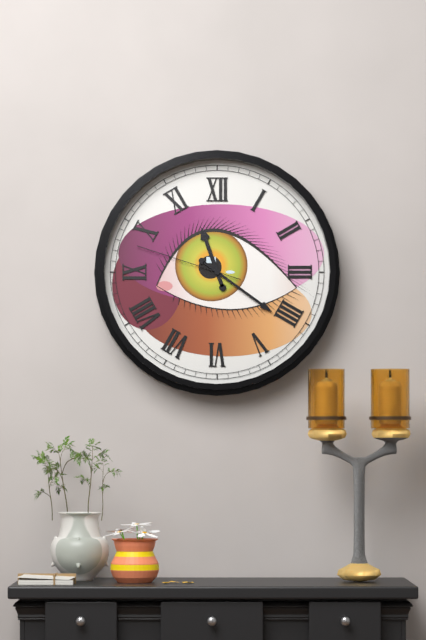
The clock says {"hour": 11, "minute": 21, "second": 48}
